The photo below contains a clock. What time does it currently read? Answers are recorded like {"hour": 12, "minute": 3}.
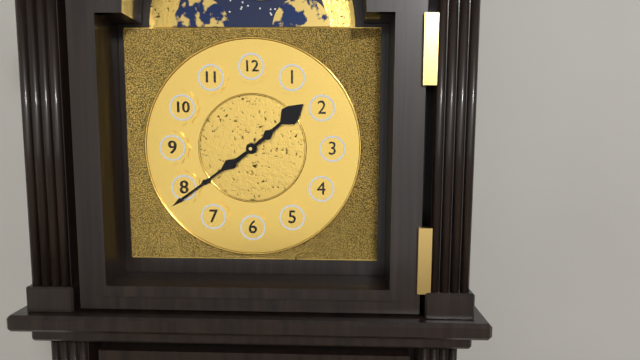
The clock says {"hour": 1, "minute": 39}
